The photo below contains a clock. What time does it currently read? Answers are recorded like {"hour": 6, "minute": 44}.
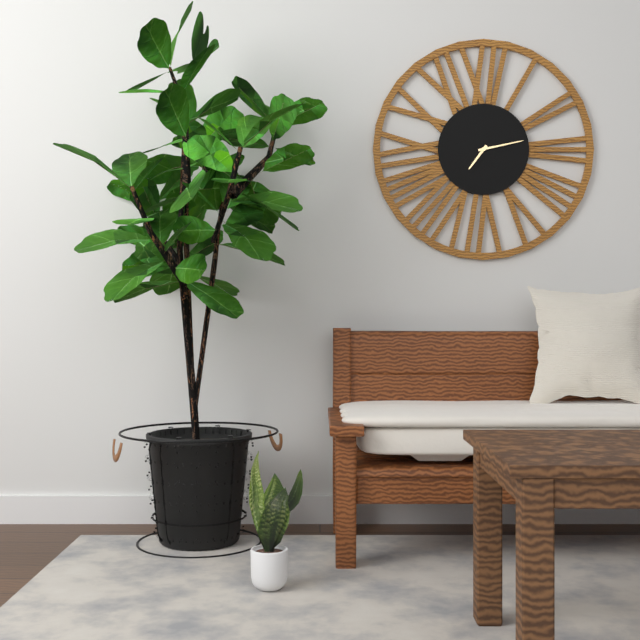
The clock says {"hour": 7, "minute": 13}
